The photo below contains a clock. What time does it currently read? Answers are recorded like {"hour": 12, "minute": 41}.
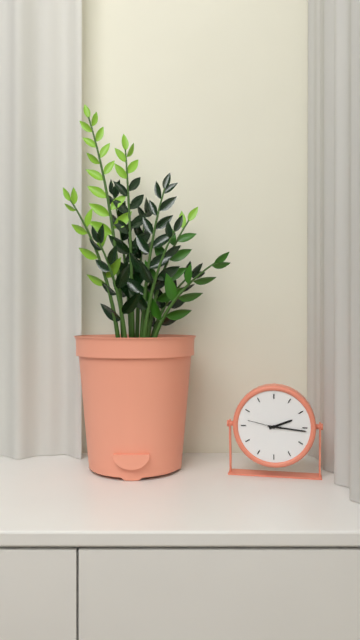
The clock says {"hour": 2, "minute": 16}
